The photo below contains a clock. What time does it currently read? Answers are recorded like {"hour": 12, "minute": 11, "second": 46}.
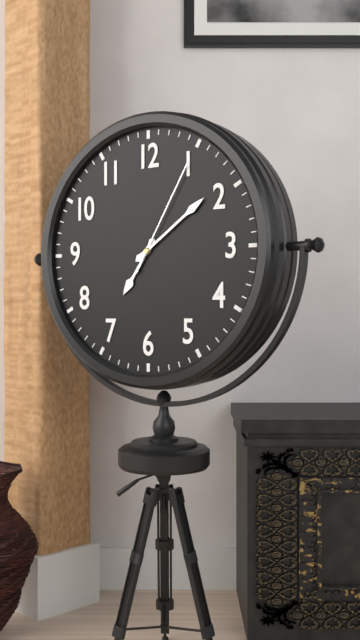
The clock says {"hour": 7, "minute": 9, "second": 5}
